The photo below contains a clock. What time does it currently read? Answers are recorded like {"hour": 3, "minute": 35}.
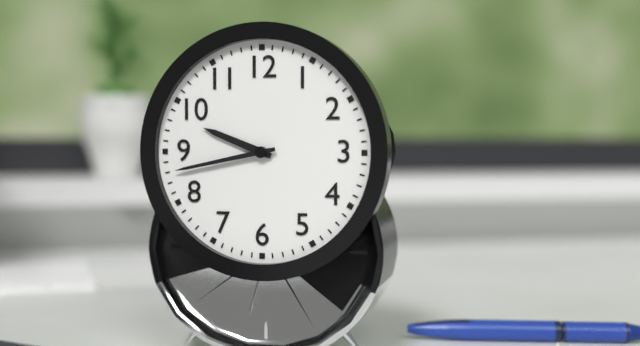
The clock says {"hour": 9, "minute": 43}
